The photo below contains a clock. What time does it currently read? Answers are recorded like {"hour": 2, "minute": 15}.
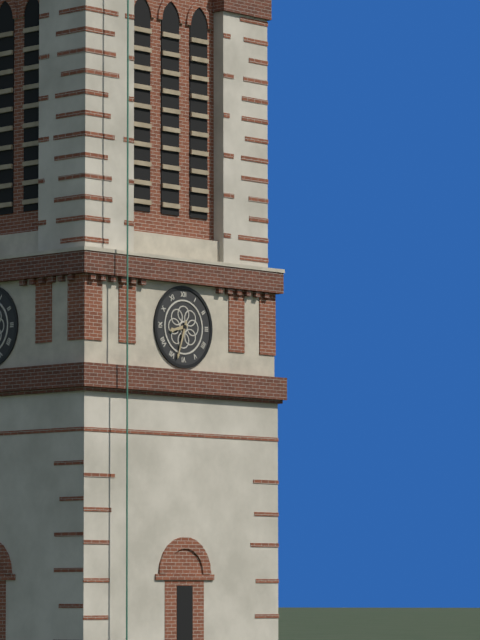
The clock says {"hour": 8, "minute": 33}
